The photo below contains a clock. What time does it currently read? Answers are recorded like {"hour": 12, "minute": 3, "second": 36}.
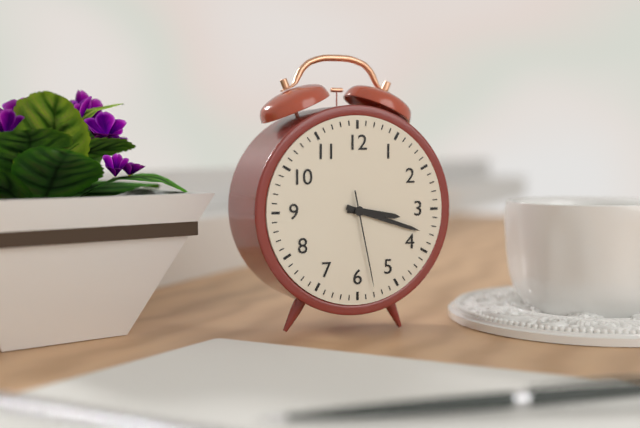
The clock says {"hour": 3, "minute": 18, "second": 28}
